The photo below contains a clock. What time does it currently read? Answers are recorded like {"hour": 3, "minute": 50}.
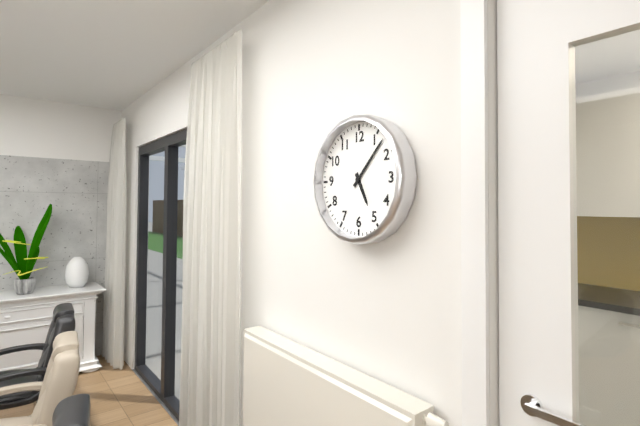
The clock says {"hour": 5, "minute": 7}
